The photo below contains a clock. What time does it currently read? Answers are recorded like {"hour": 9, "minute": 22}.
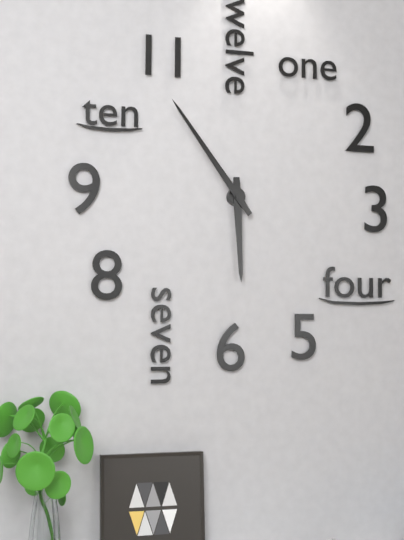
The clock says {"hour": 5, "minute": 54}
